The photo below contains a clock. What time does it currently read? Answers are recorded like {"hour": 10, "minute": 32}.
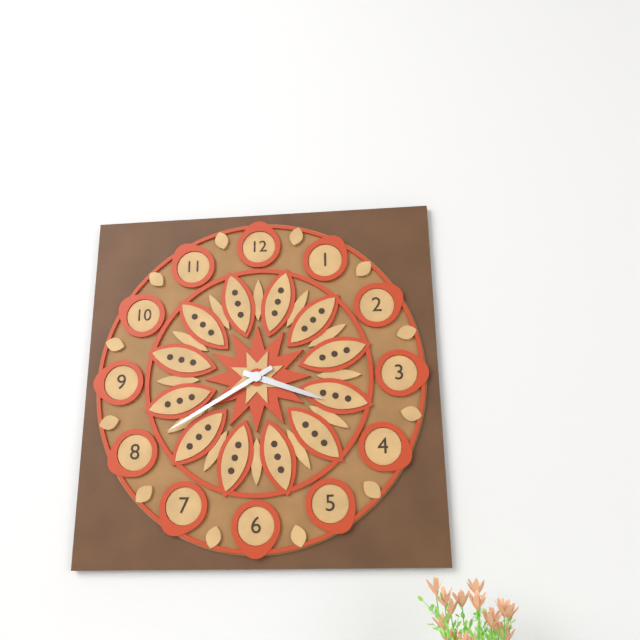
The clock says {"hour": 3, "minute": 40}
